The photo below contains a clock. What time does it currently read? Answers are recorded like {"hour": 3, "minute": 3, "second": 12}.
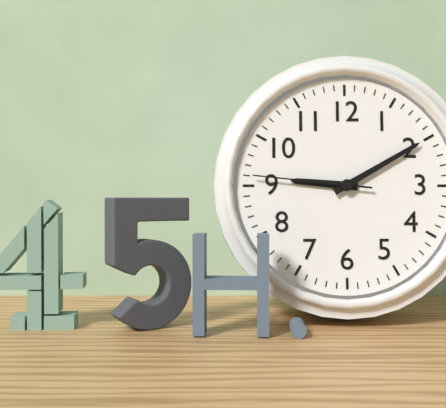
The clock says {"hour": 9, "minute": 10, "second": 46}
